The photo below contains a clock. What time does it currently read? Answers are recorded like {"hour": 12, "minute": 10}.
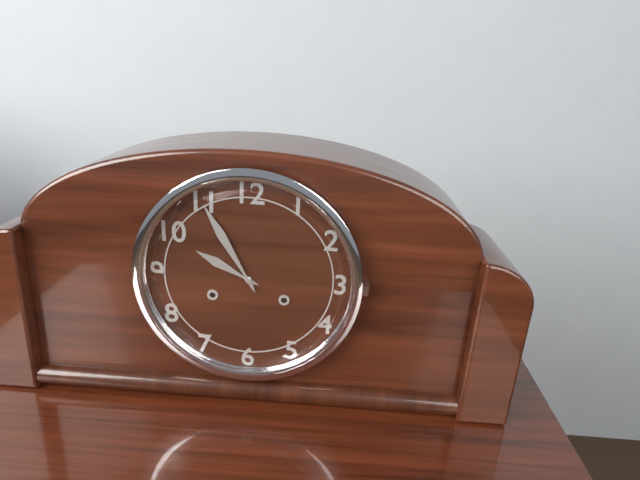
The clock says {"hour": 9, "minute": 55}
